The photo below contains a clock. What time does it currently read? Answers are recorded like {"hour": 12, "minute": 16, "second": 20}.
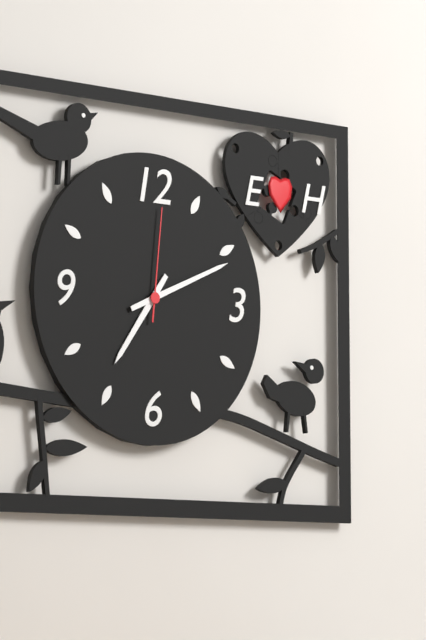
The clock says {"hour": 7, "minute": 11, "second": 1}
